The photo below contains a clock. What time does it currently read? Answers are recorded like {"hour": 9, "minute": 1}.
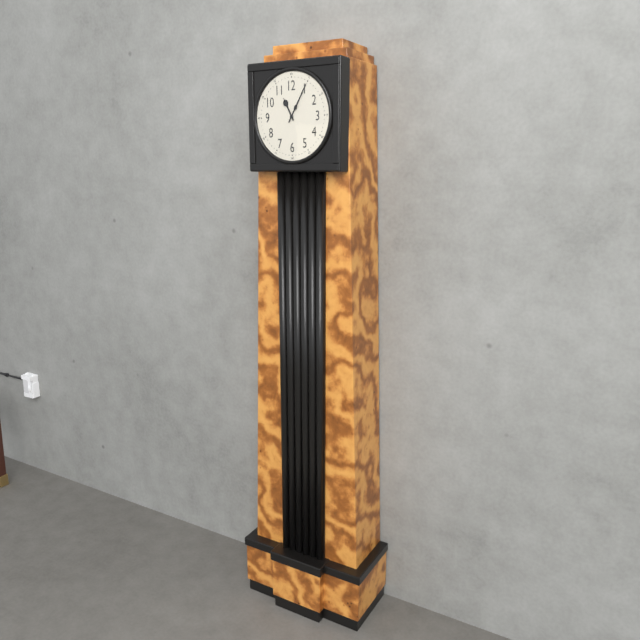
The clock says {"hour": 11, "minute": 5}
